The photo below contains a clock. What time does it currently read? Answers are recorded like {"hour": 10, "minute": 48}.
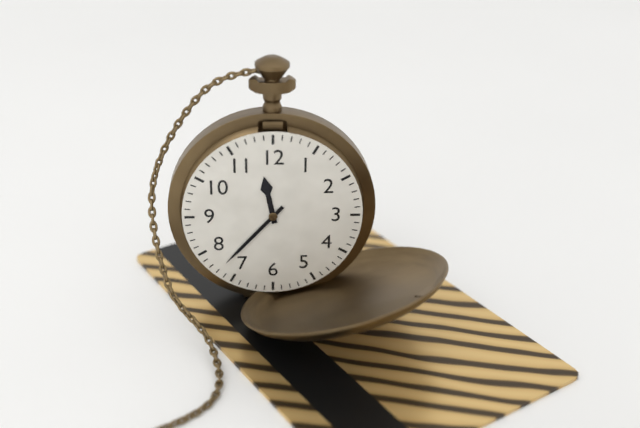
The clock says {"hour": 11, "minute": 37}
